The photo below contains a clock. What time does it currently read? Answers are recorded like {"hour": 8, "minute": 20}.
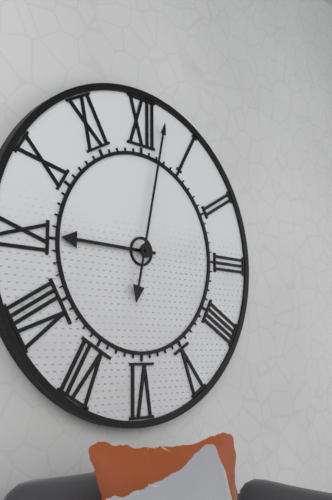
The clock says {"hour": 9, "minute": 2}
